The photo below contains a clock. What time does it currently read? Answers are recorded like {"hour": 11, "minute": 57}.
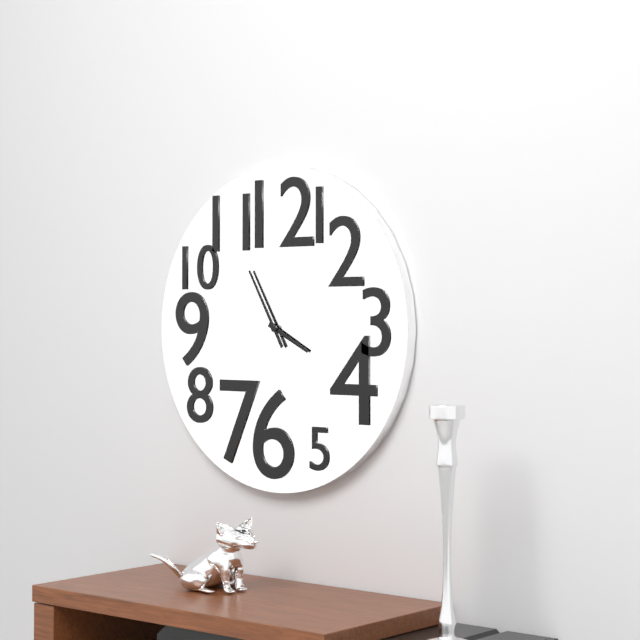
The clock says {"hour": 3, "minute": 55}
